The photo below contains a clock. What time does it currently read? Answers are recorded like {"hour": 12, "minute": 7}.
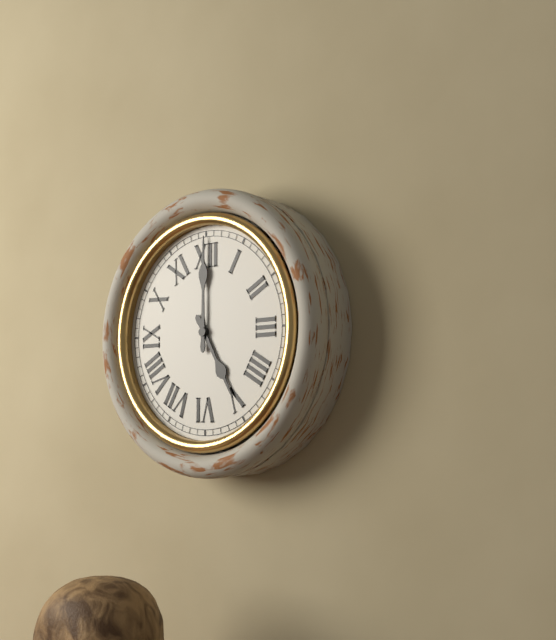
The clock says {"hour": 5, "minute": 0}
